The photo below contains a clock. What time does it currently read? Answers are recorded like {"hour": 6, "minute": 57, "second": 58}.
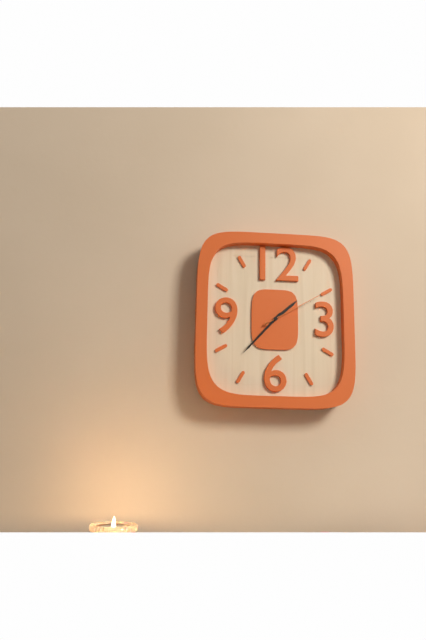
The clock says {"hour": 1, "minute": 37, "second": 10}
